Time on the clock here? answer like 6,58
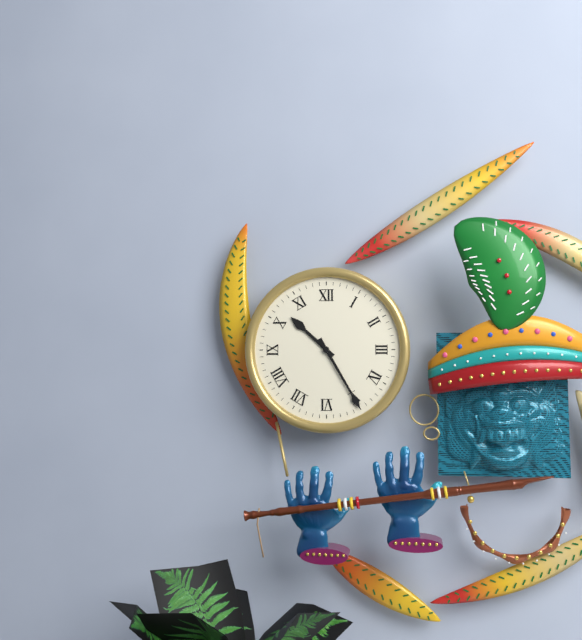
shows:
10,25
